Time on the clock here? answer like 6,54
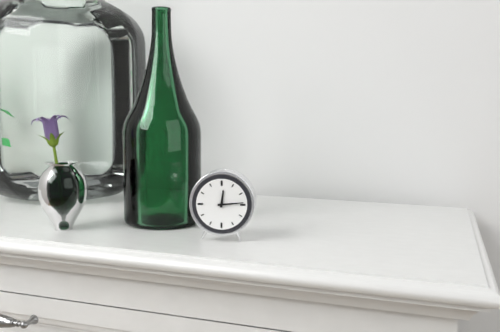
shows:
12,14
